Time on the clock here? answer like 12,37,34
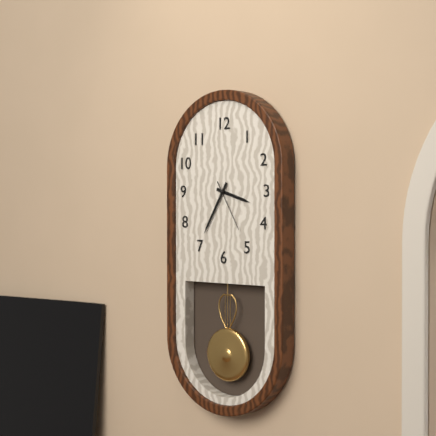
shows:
3,35,25
